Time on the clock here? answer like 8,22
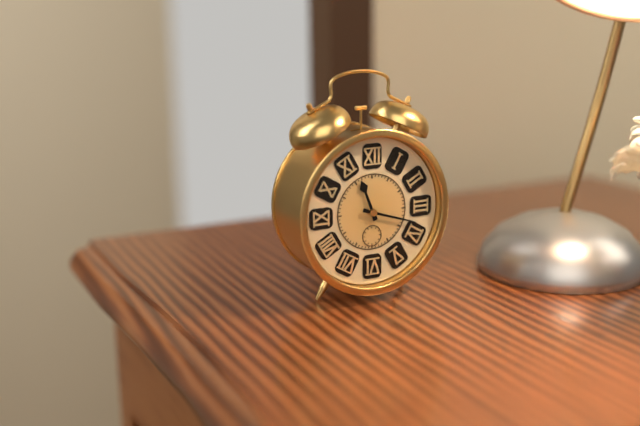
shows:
11,18
